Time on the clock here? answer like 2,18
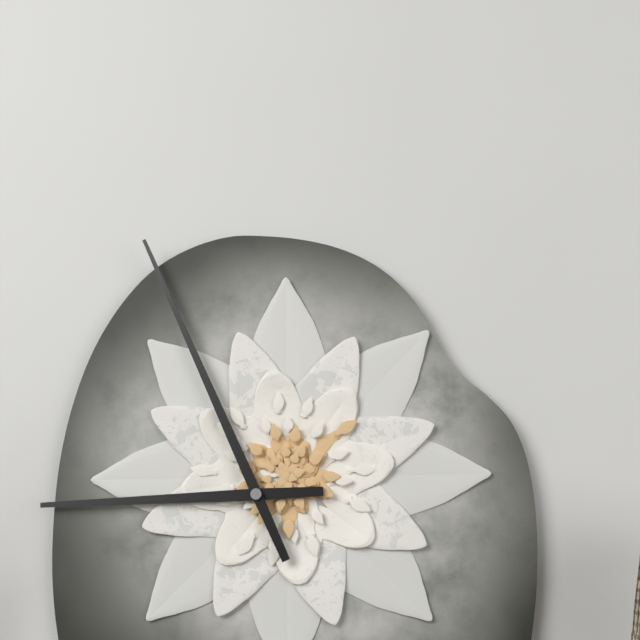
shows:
8,56
